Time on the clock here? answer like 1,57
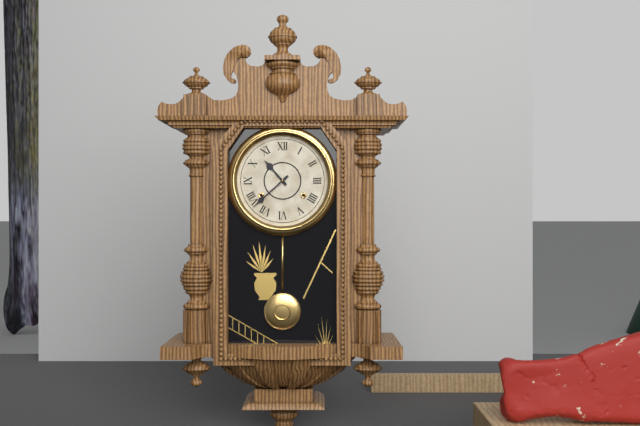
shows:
10,38
